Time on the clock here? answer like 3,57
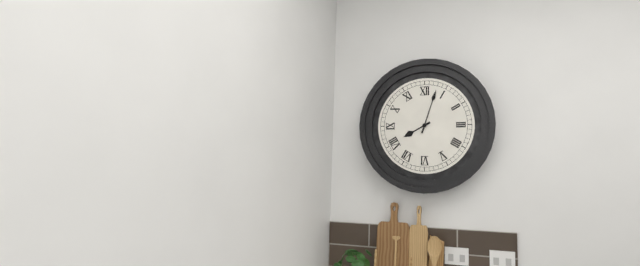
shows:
8,03
